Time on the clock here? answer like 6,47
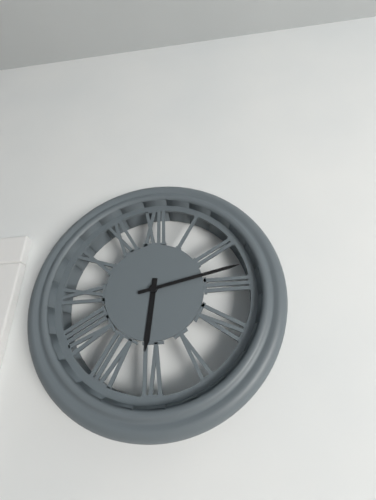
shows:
6,13
